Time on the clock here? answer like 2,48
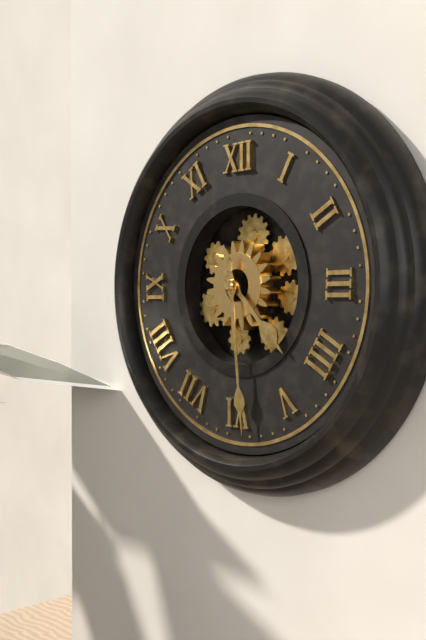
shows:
4,29
